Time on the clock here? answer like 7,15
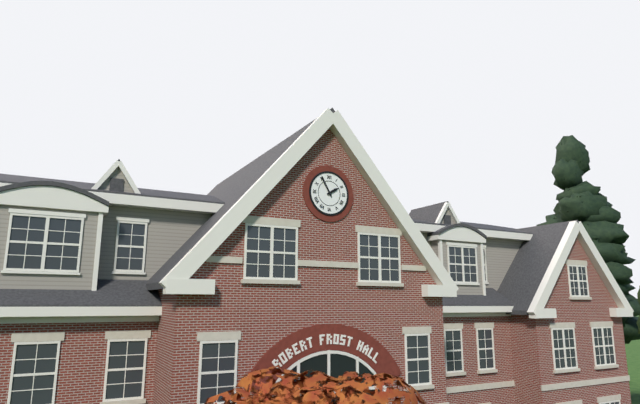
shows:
1,55
